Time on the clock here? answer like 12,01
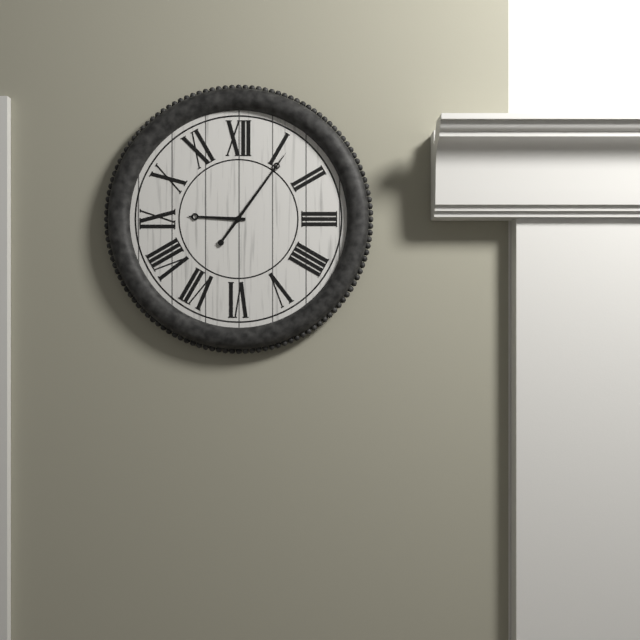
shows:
9,06
